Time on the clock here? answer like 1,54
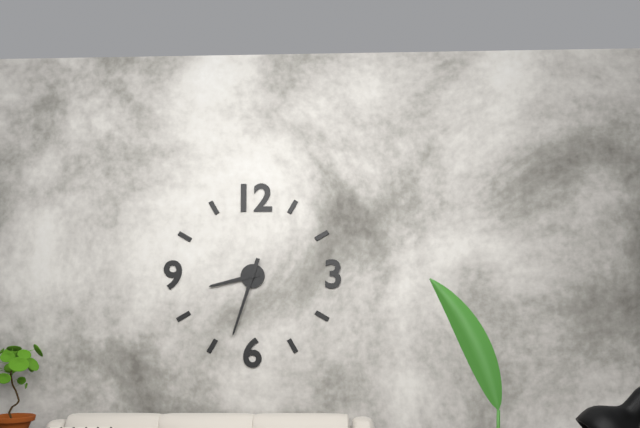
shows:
8,33
